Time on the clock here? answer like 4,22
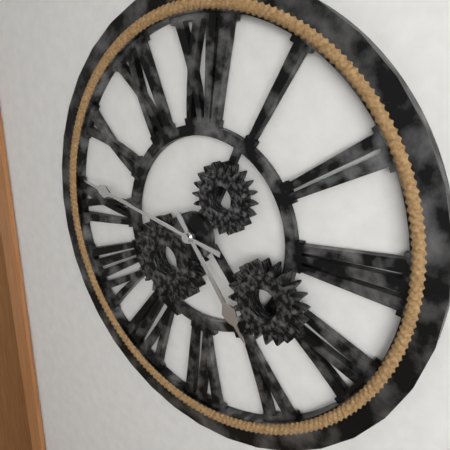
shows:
4,47
